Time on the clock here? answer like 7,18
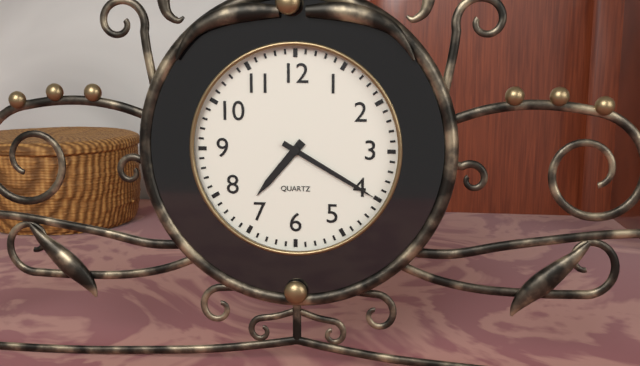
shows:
7,20
